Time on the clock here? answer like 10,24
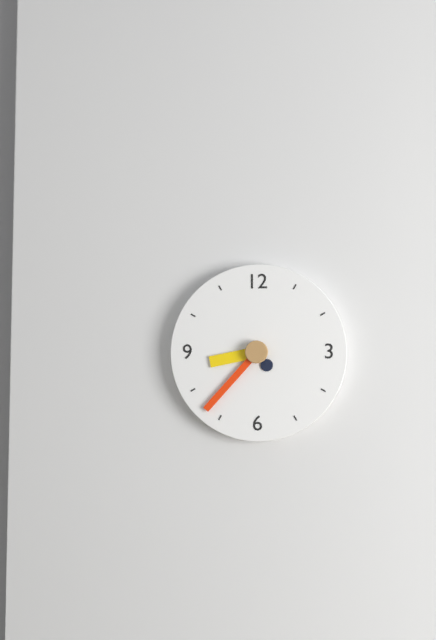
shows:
8,37
